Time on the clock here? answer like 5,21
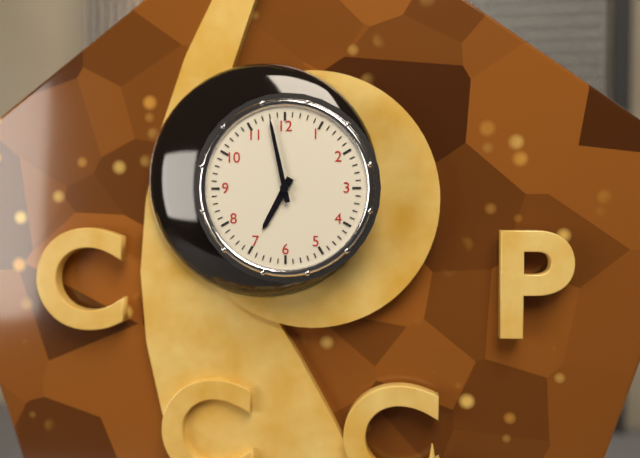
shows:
6,58
